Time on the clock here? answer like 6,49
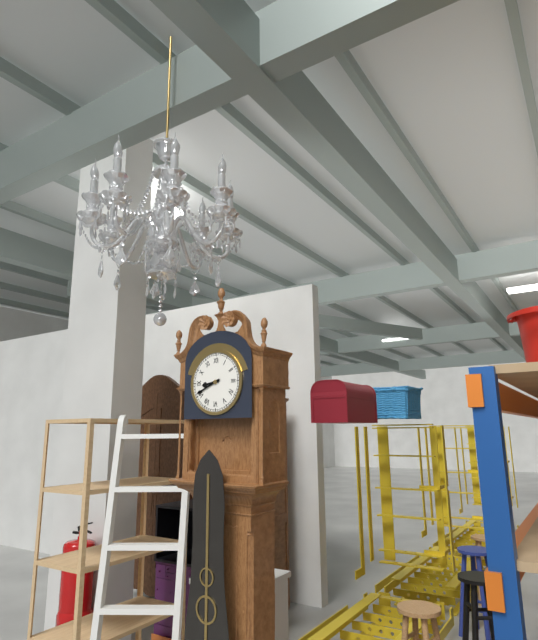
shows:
8,41
